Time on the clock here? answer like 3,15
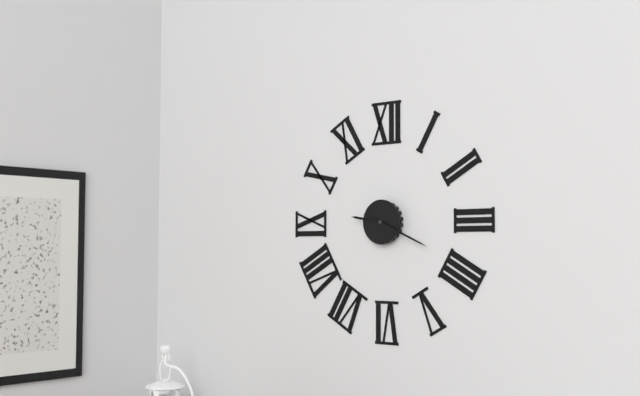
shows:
9,19
